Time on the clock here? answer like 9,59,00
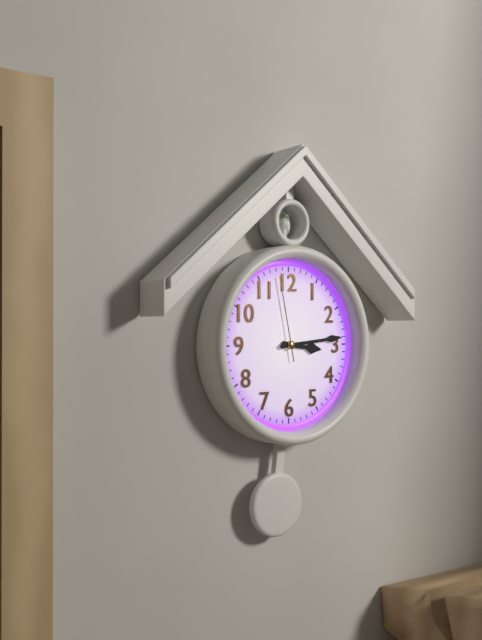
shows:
3,14,58
